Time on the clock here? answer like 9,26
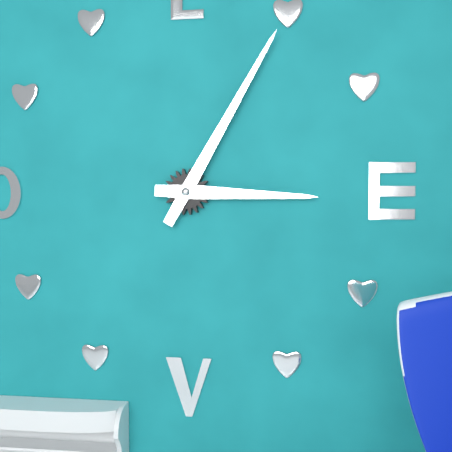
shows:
3,05
